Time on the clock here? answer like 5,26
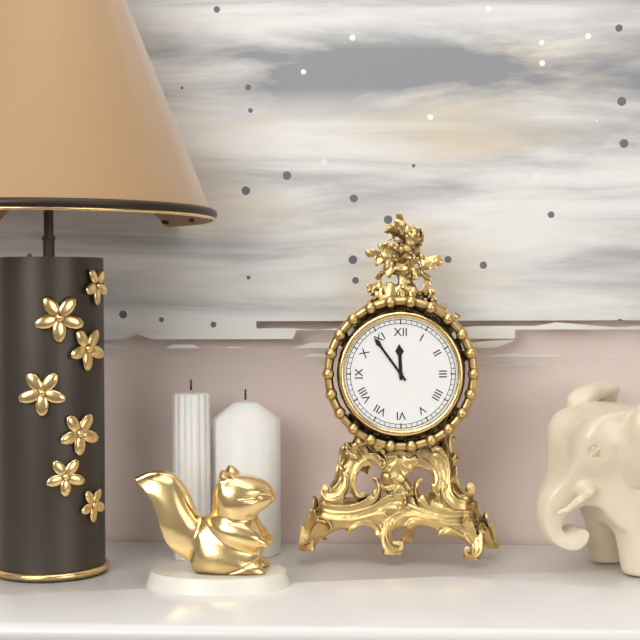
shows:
11,54
